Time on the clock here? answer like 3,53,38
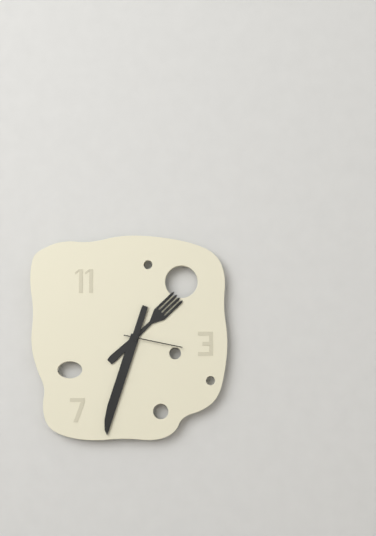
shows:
1,33,17
